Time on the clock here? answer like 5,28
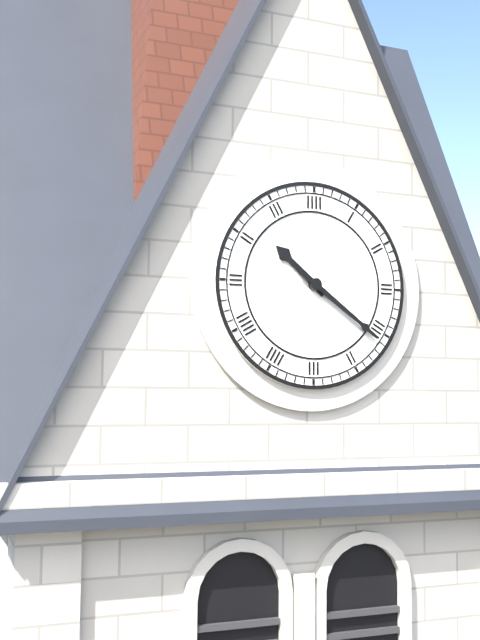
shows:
10,21
